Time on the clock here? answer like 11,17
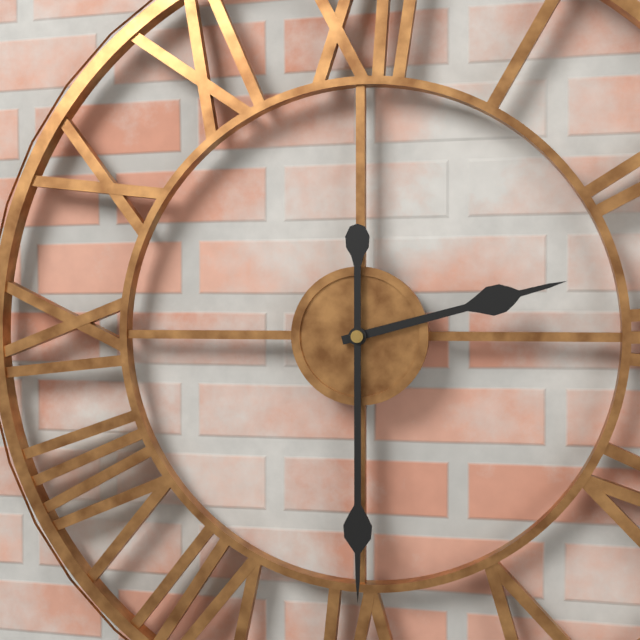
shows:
2,30
